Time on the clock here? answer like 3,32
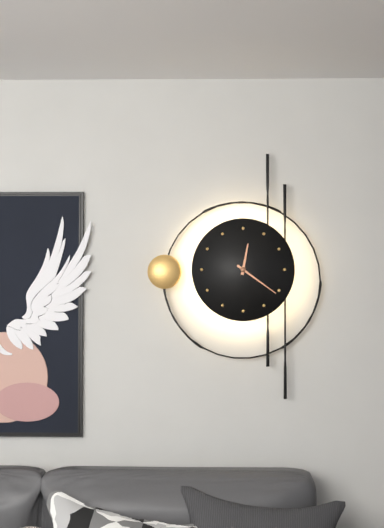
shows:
12,21
